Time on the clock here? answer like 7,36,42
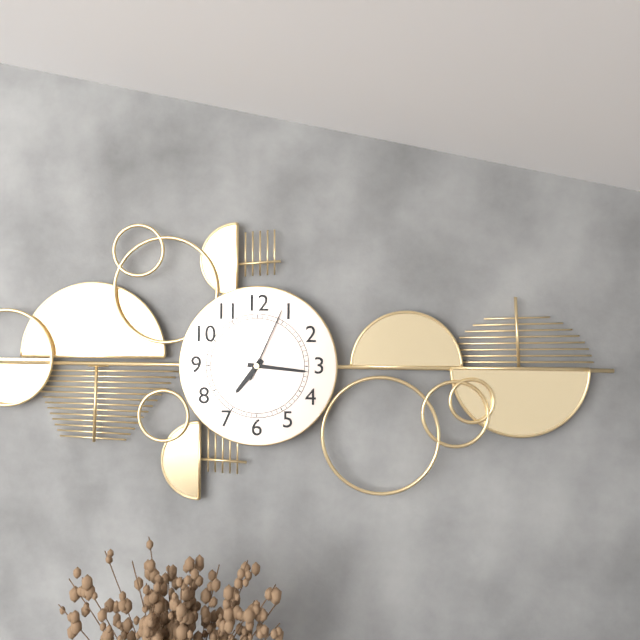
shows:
7,16,04
